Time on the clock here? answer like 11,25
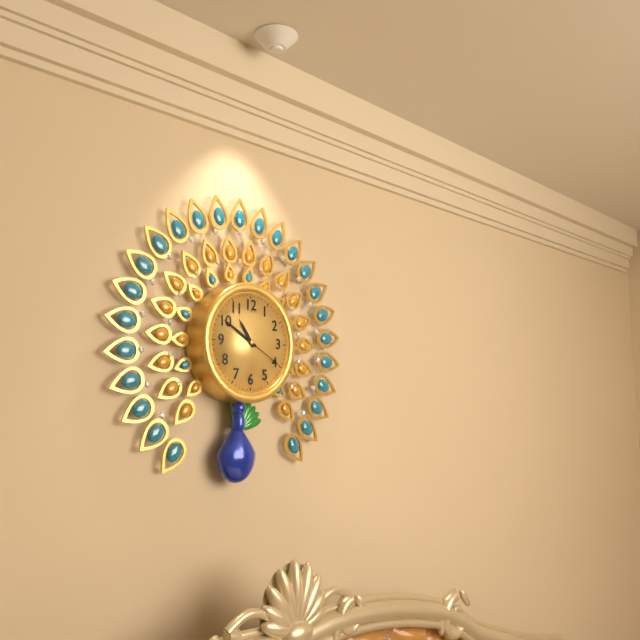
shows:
10,50
